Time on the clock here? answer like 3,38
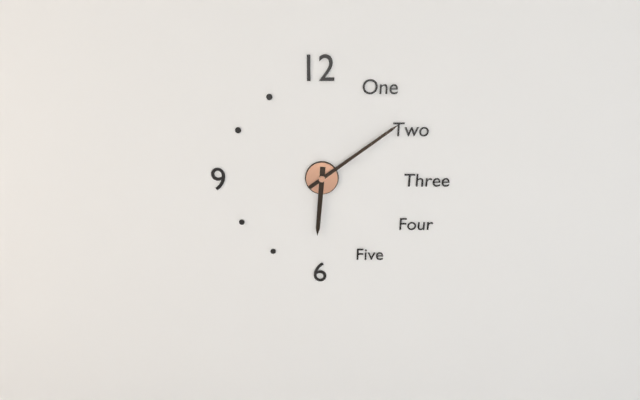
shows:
6,09
